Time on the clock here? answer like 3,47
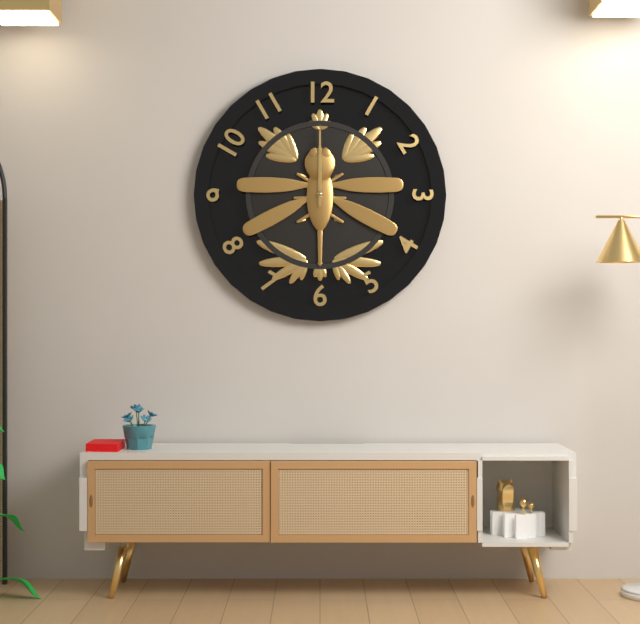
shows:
12,00
